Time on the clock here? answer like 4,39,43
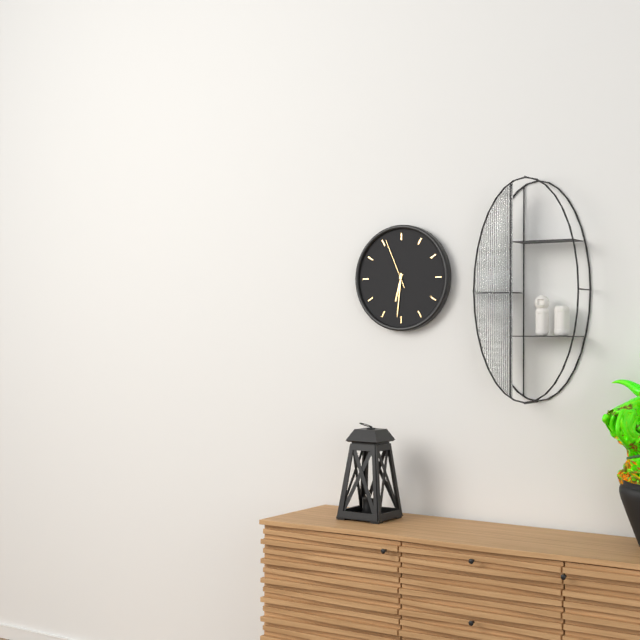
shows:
6,31,56
